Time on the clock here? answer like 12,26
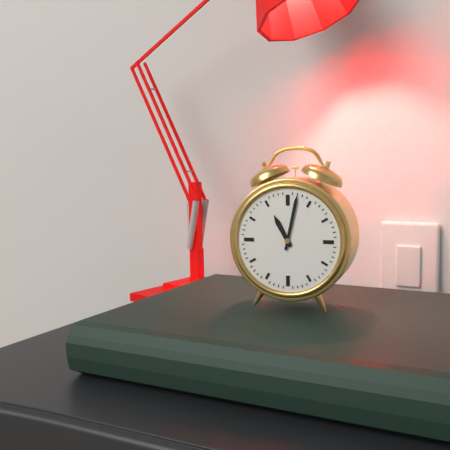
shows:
11,02
